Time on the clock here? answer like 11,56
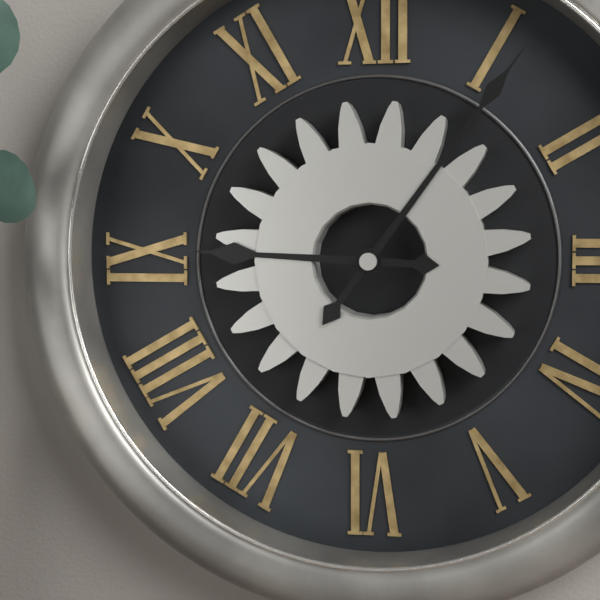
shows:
9,06
